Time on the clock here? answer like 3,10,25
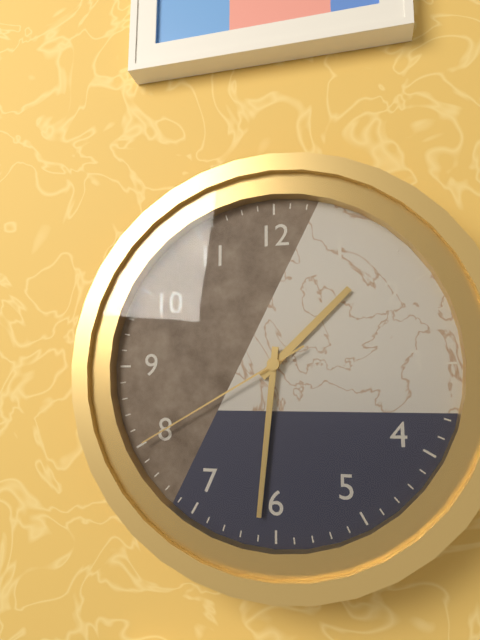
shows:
1,31,40
